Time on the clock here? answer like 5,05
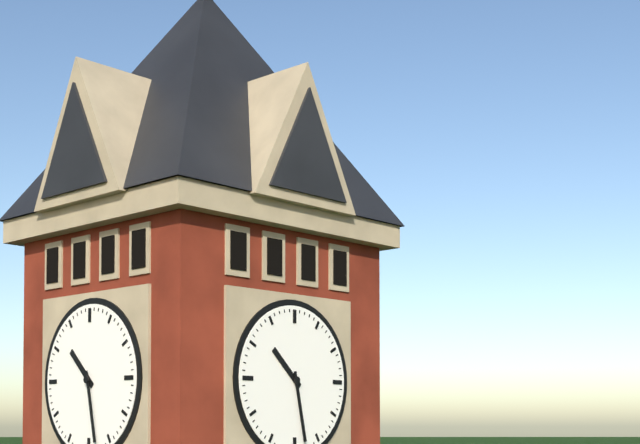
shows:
10,28
